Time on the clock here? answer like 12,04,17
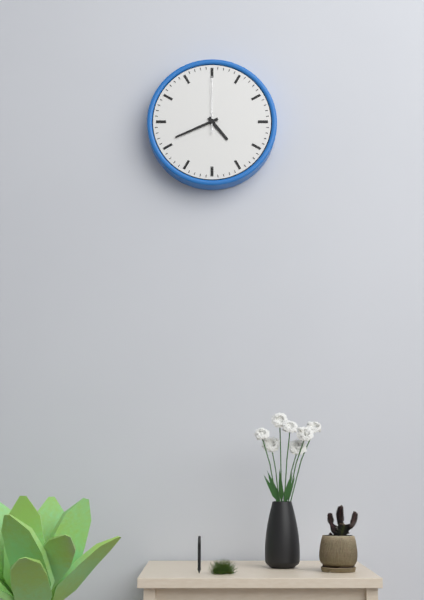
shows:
4,41,00
